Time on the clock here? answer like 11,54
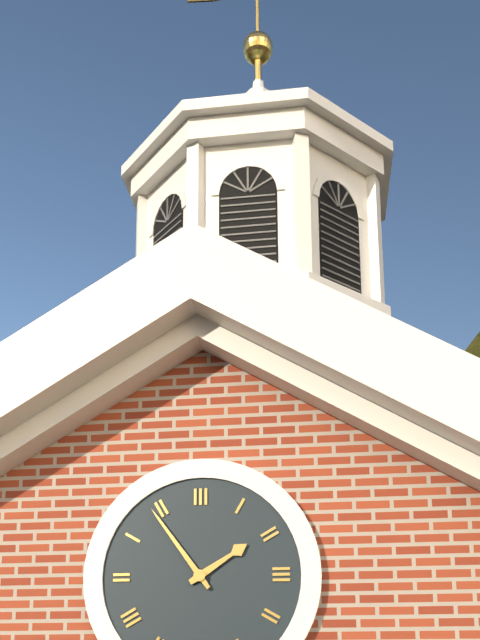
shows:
1,54
